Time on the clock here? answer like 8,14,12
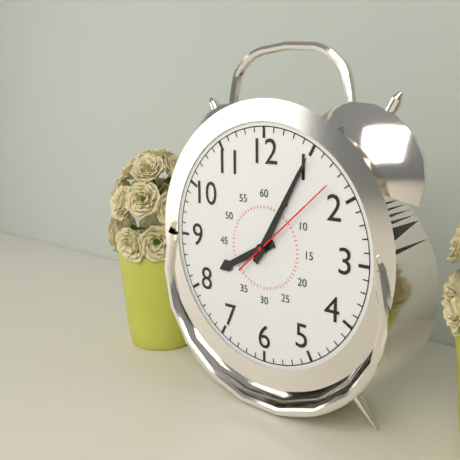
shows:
8,05,08
